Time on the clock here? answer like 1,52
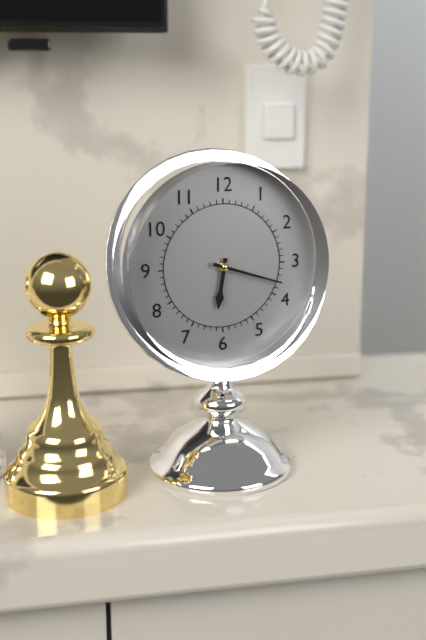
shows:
6,18
